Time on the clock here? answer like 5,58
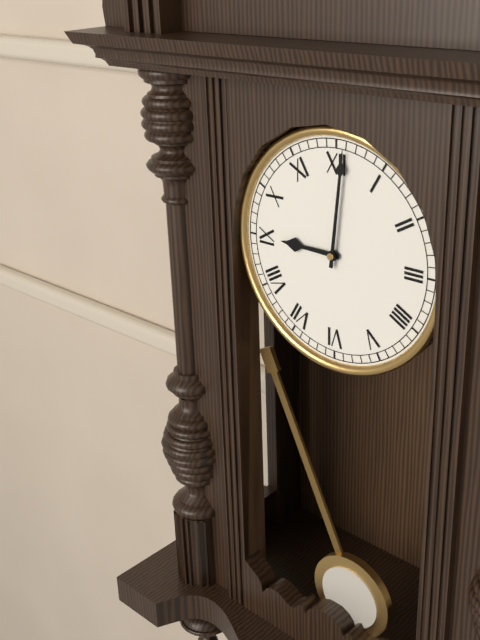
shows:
9,01
